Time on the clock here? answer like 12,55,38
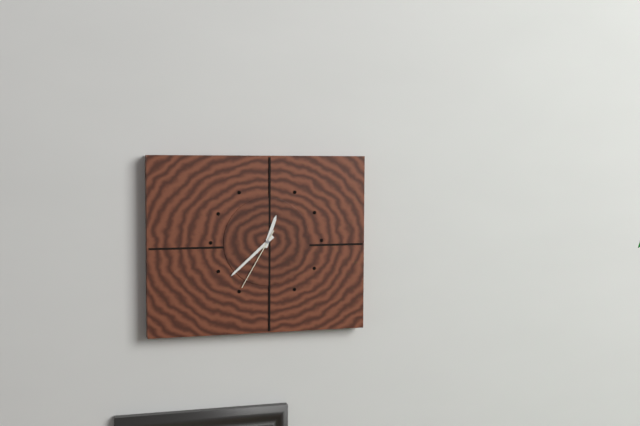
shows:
12,38,35
